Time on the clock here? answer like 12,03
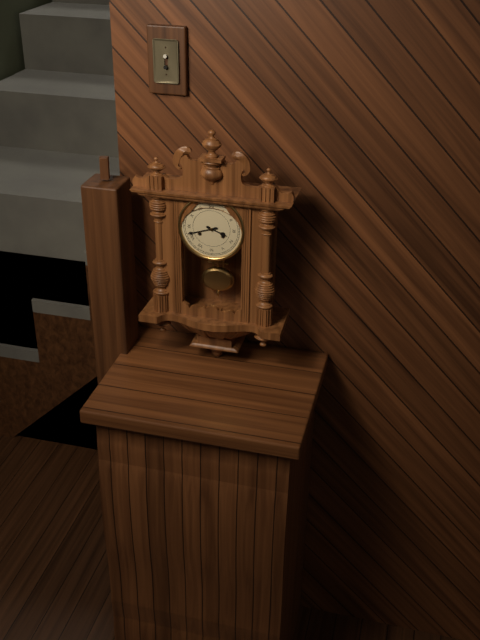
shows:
3,42
